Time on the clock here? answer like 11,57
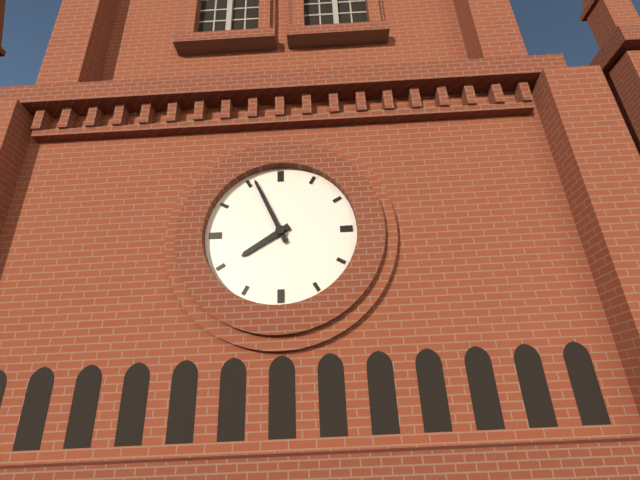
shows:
7,56
